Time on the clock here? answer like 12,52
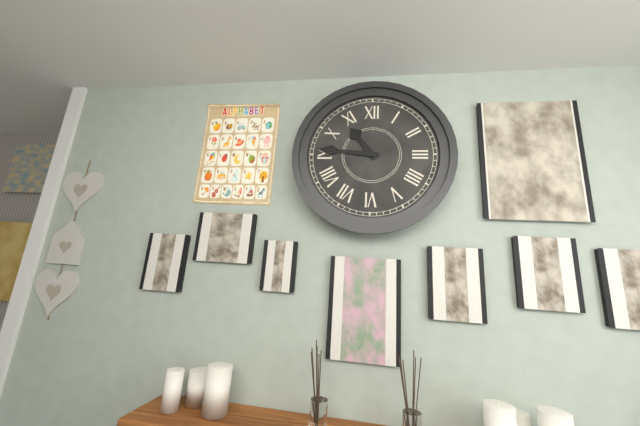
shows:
10,46
